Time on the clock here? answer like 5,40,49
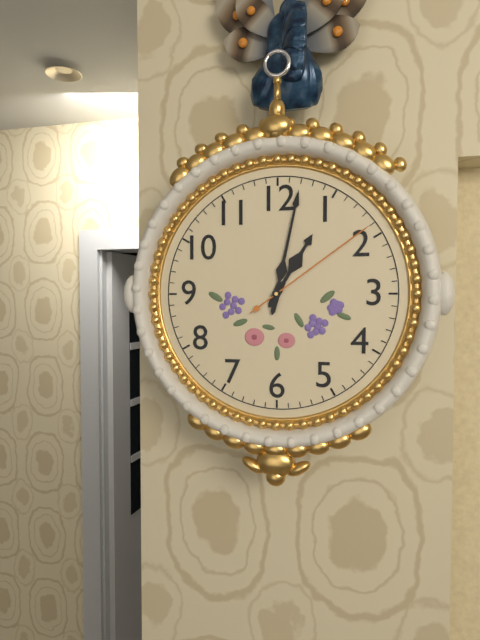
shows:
1,02,09
